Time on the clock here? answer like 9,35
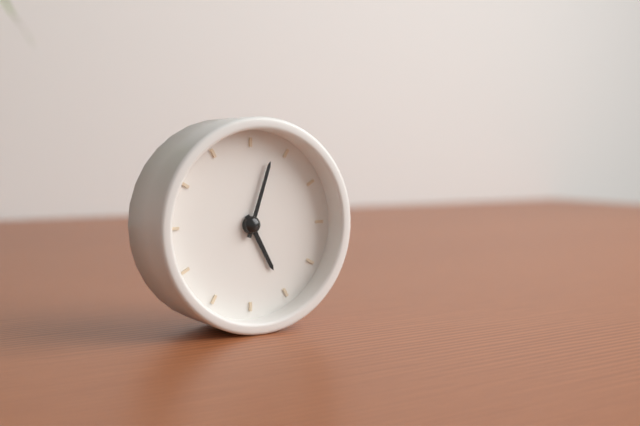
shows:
5,03
